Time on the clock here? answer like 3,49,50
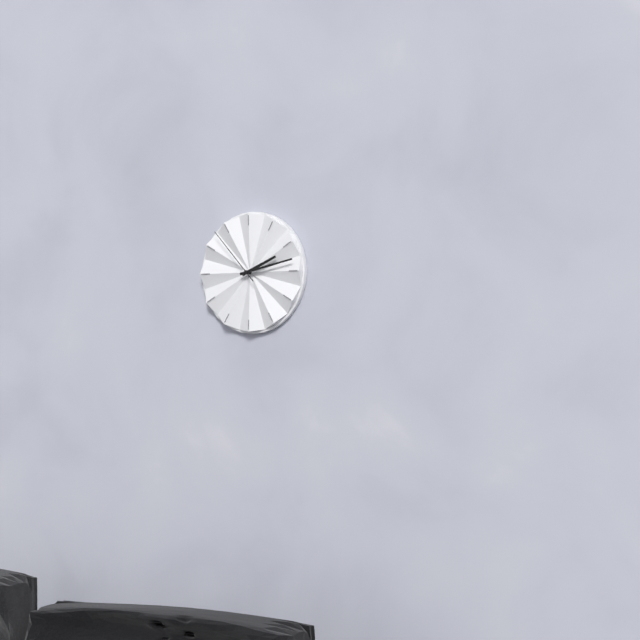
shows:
2,13,53
